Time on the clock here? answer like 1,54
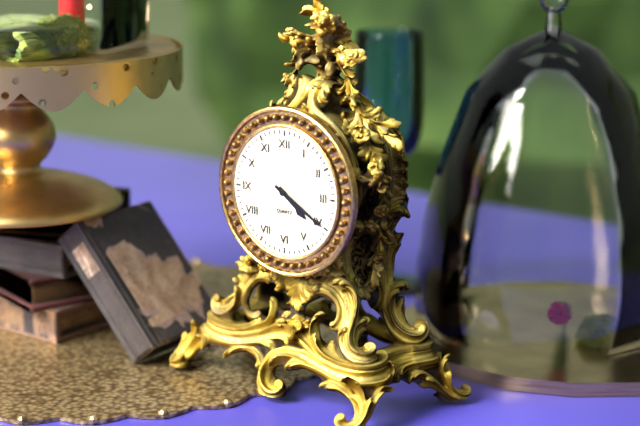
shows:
4,20
